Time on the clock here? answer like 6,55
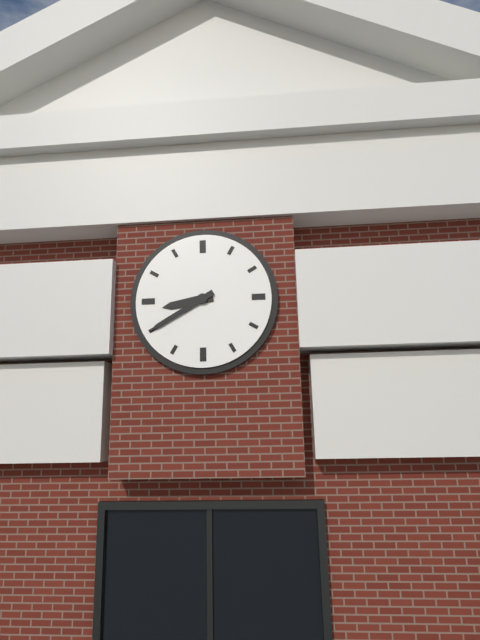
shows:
8,40
